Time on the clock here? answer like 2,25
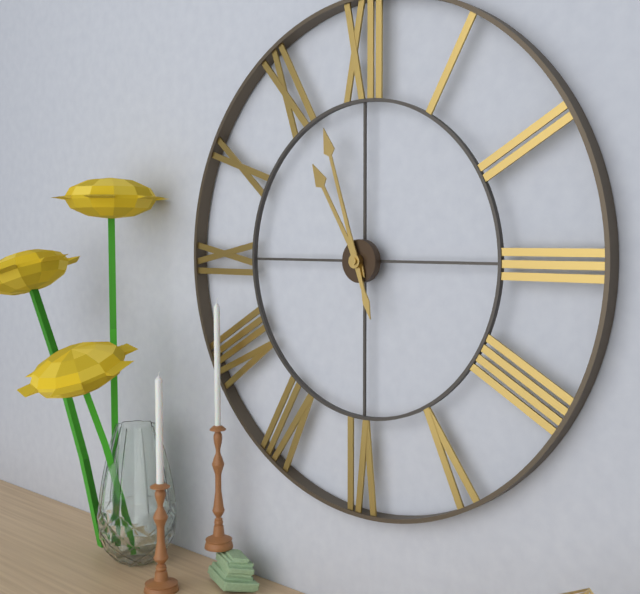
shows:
10,57
